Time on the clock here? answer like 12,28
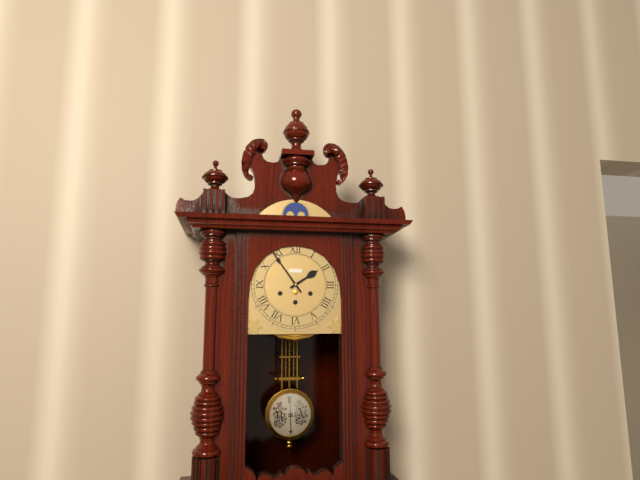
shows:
1,54
